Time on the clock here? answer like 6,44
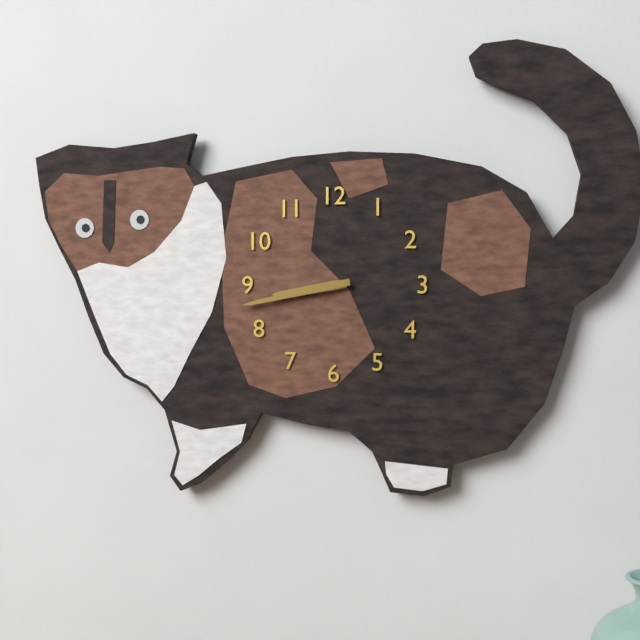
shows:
8,43
